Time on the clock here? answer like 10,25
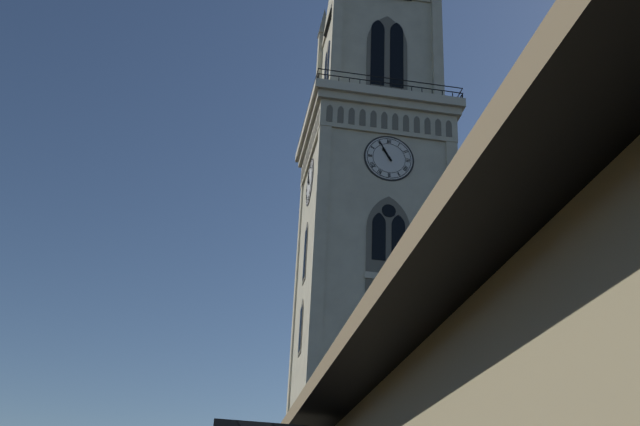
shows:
10,55
